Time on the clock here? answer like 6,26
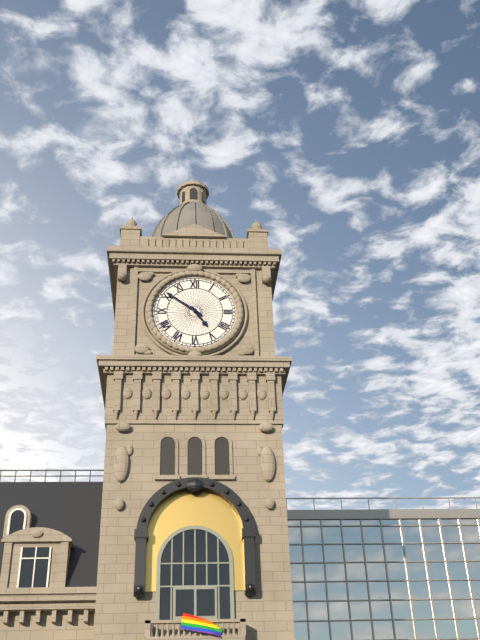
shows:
4,51
